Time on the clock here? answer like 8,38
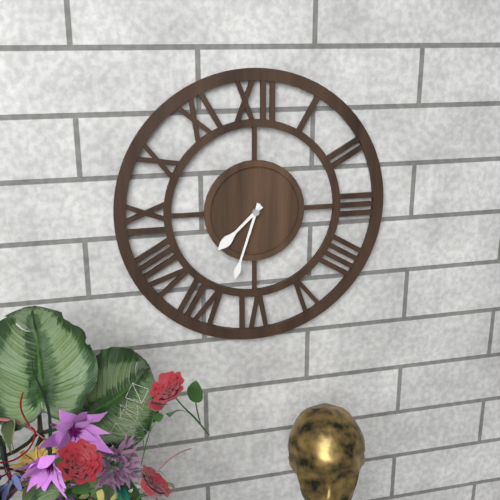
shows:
7,33
